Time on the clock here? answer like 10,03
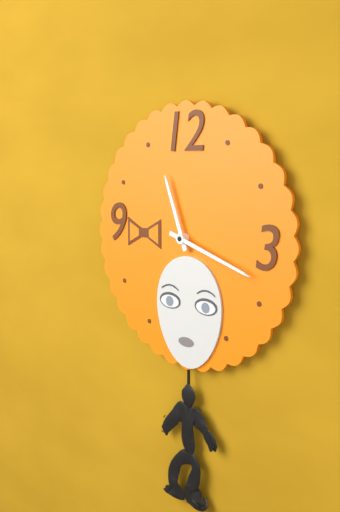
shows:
11,18
